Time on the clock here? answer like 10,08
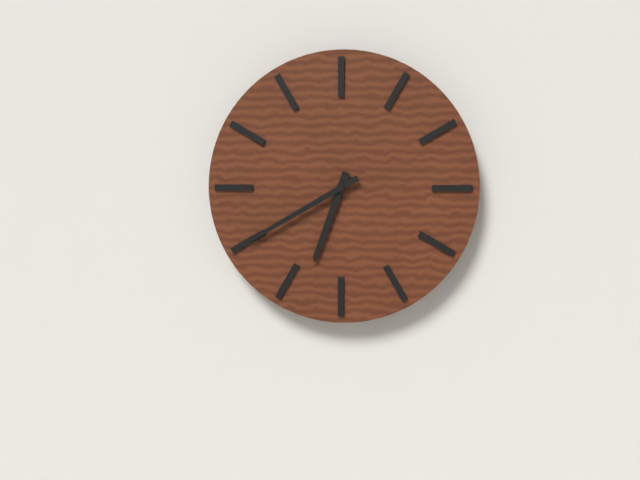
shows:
6,40
